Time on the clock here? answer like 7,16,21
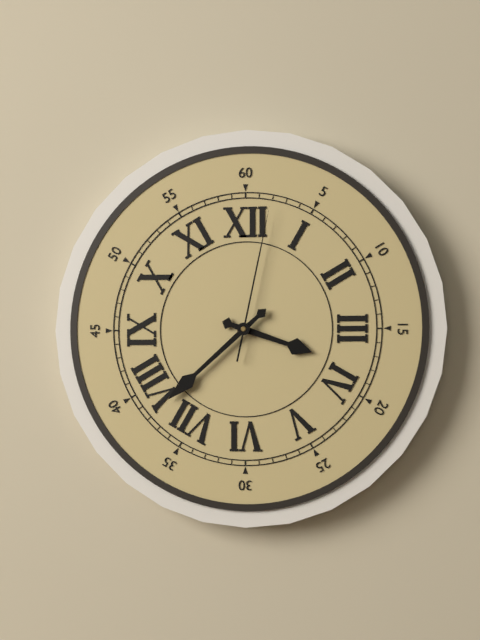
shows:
3,38,02
